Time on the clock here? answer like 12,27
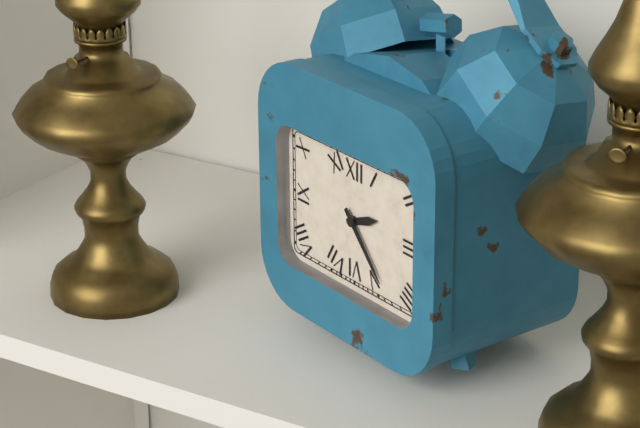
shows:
2,23
